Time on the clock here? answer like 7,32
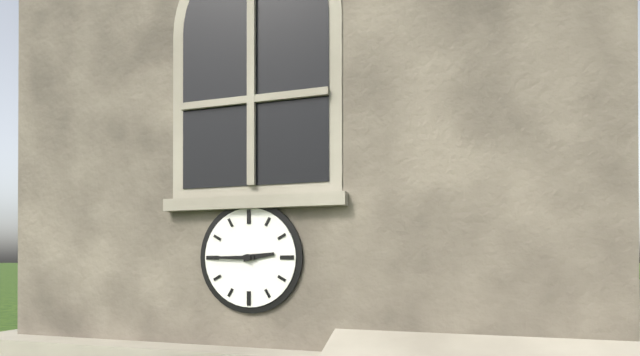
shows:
2,45
